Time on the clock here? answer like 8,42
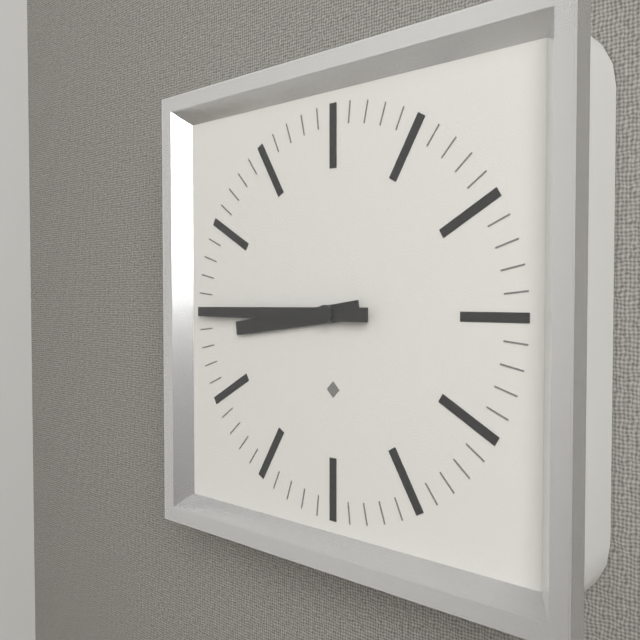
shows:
8,45
